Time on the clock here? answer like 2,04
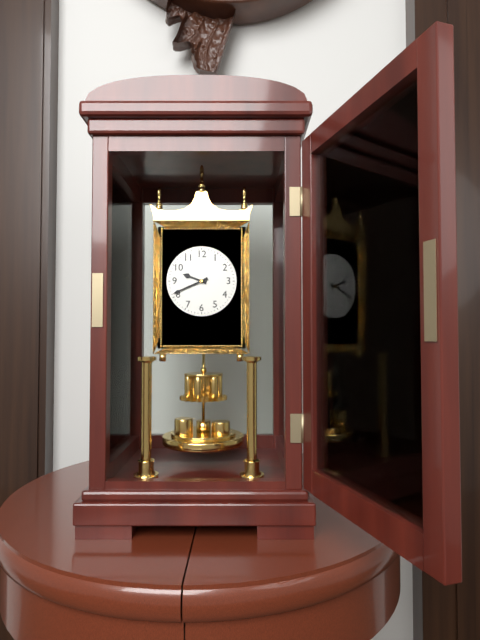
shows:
9,41
